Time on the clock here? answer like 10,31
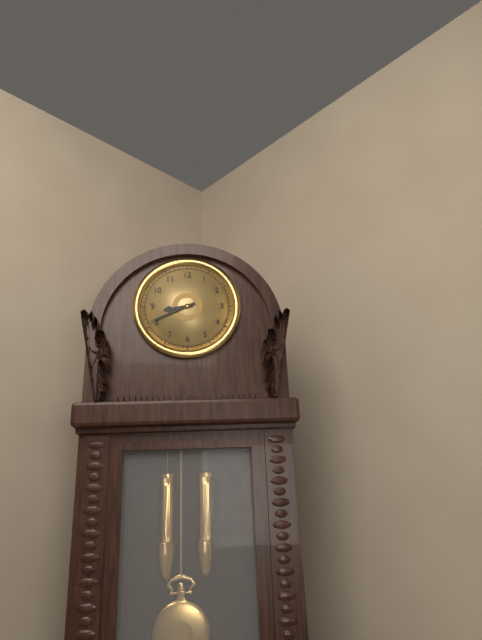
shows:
8,41
